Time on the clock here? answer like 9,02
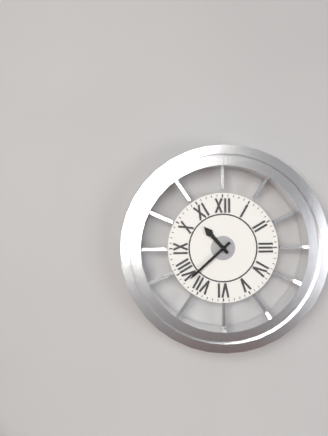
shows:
10,38
